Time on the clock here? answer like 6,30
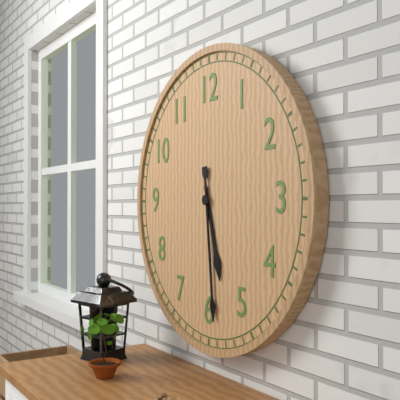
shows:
5,29
